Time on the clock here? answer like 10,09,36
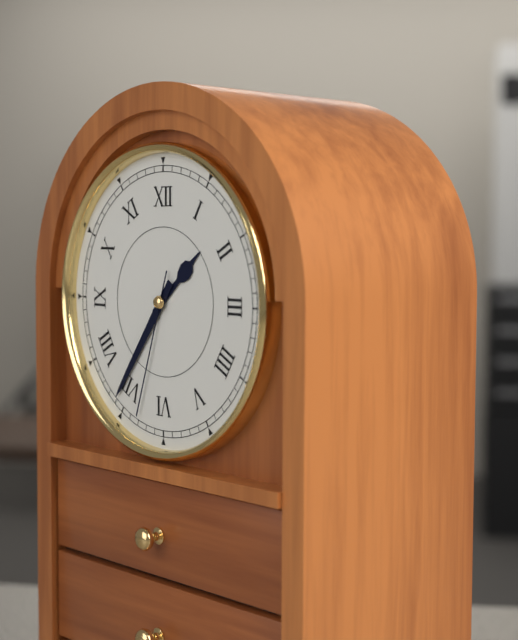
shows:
1,36,33
